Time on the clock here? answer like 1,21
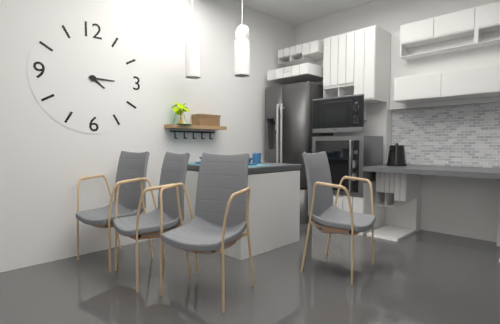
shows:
4,15
